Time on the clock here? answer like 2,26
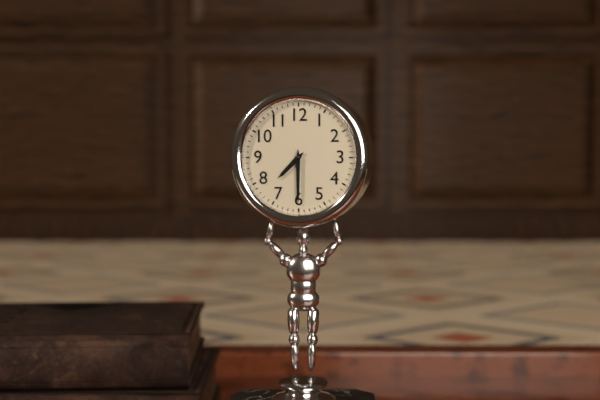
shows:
7,30
